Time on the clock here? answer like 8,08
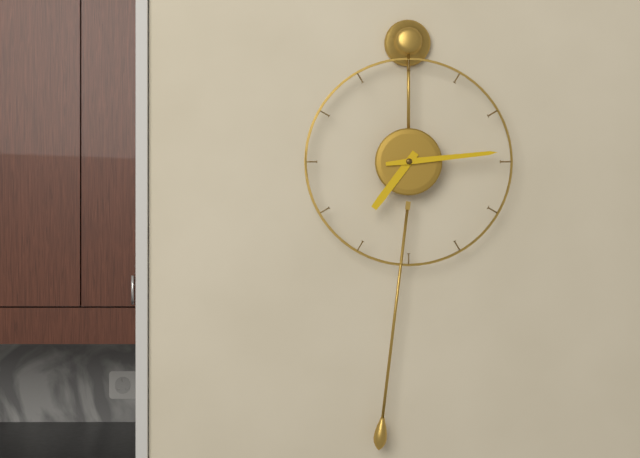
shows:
7,14
